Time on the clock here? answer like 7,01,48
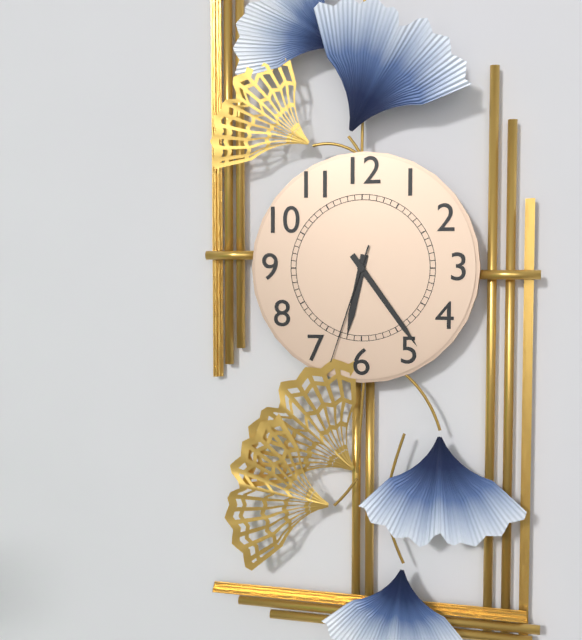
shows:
6,24,33
